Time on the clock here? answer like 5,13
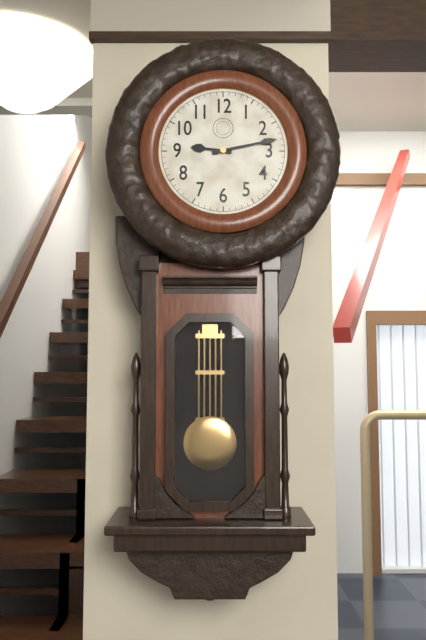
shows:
9,13
